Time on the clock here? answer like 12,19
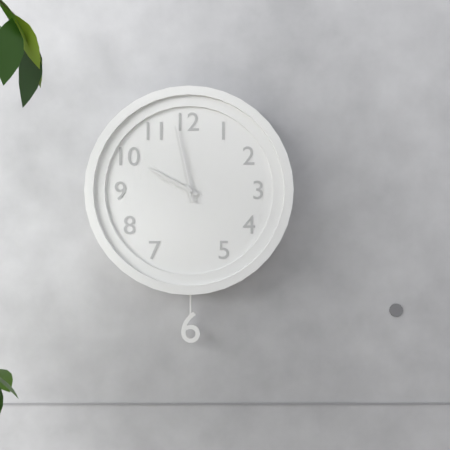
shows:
9,58
